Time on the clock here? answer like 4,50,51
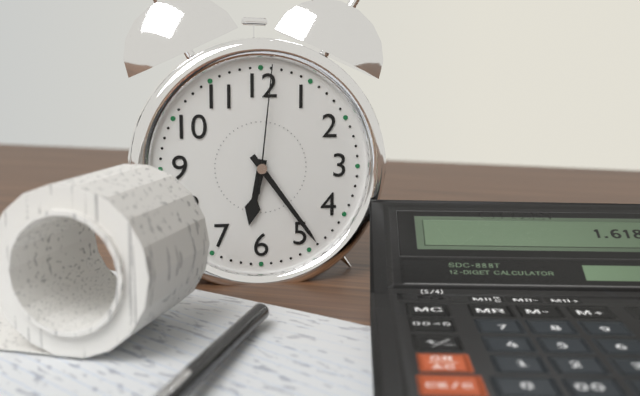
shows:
6,24,01
